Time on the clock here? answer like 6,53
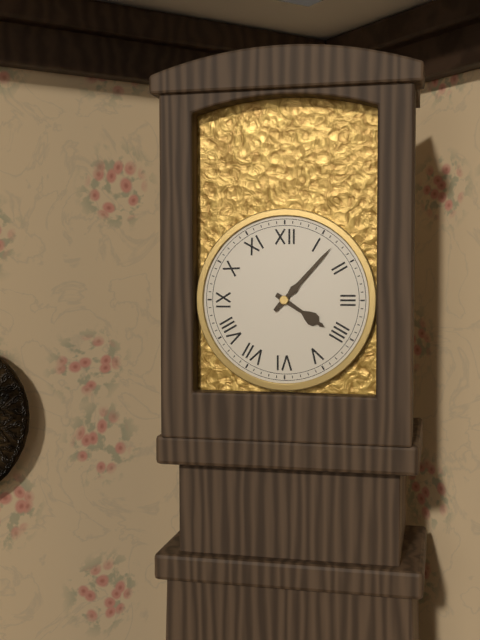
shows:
4,07
